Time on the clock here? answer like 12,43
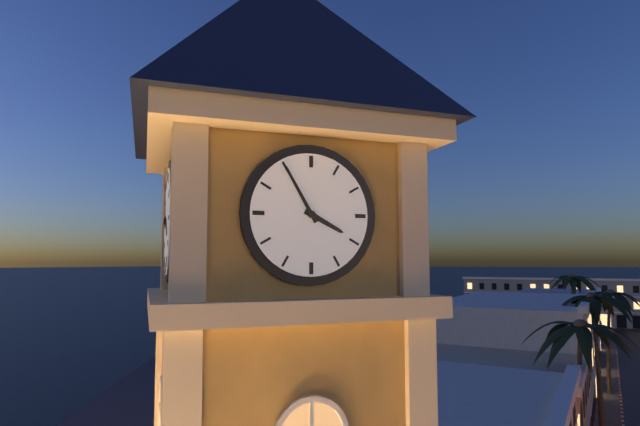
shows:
3,55
